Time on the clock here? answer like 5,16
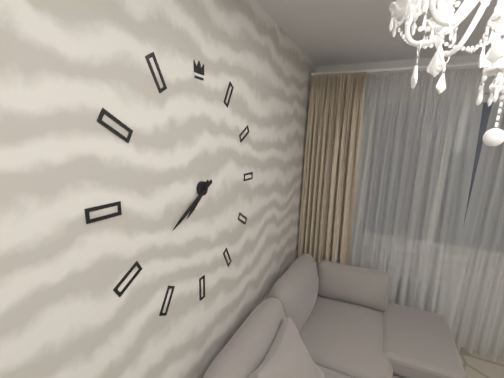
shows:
7,40
